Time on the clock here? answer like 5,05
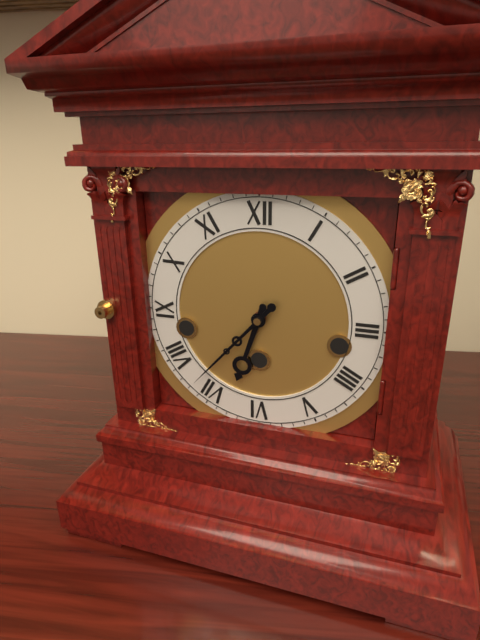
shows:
6,37
